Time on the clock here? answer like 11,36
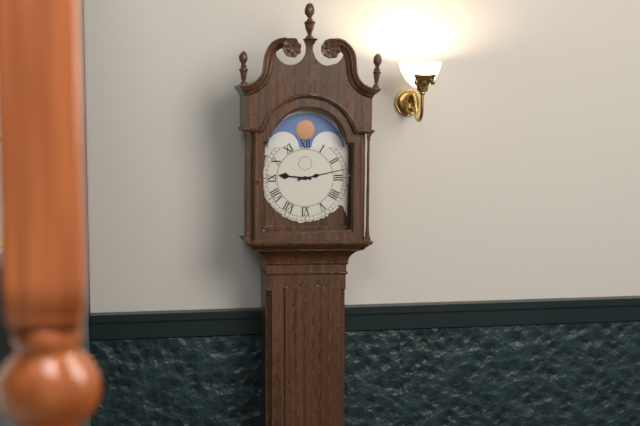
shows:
9,13
